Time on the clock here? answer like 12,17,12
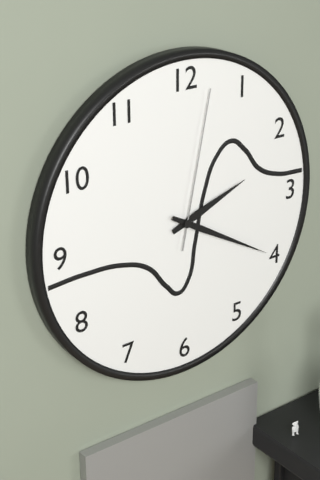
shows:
2,20,02
